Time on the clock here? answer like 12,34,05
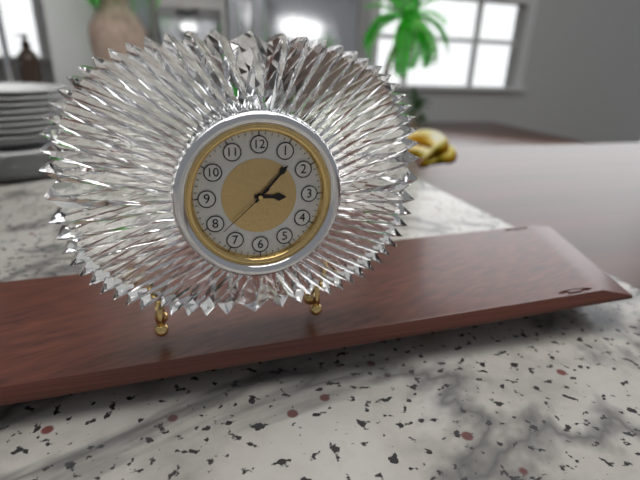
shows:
3,07,38
